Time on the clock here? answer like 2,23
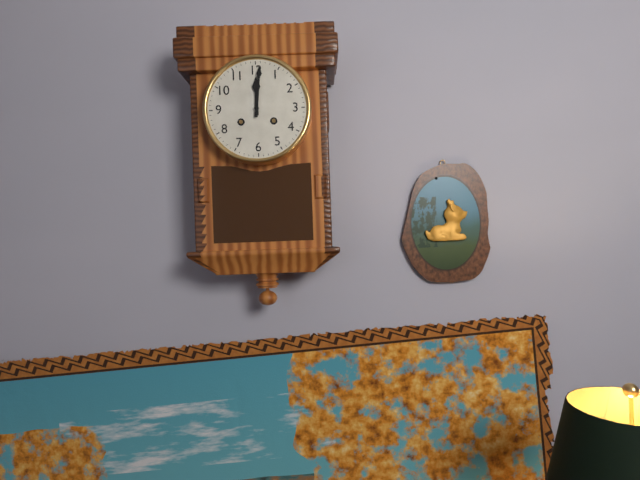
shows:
12,01
